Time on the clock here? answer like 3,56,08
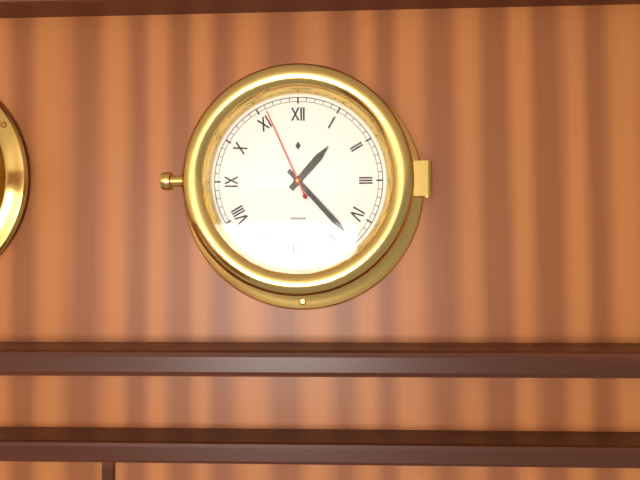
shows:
1,23,56
